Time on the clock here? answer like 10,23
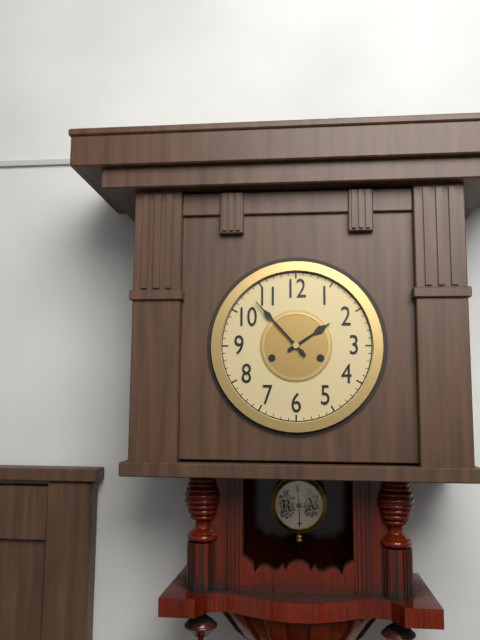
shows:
1,53
